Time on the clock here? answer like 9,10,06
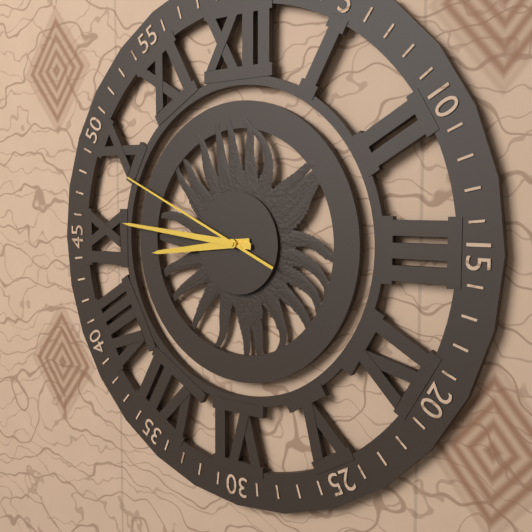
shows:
8,46,49
